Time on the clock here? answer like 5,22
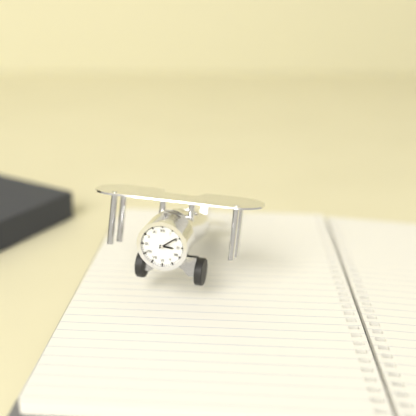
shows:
3,09
